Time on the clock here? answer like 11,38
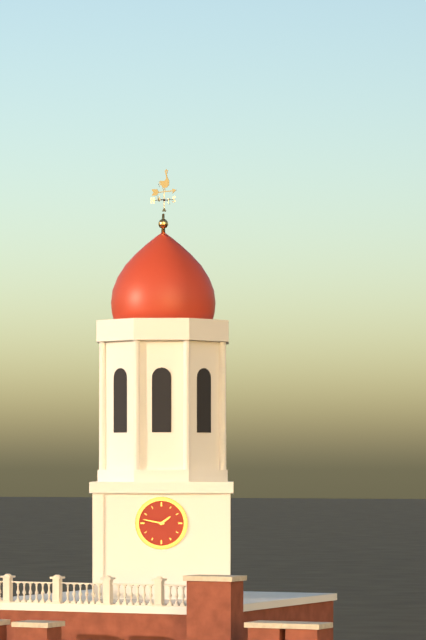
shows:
1,47
